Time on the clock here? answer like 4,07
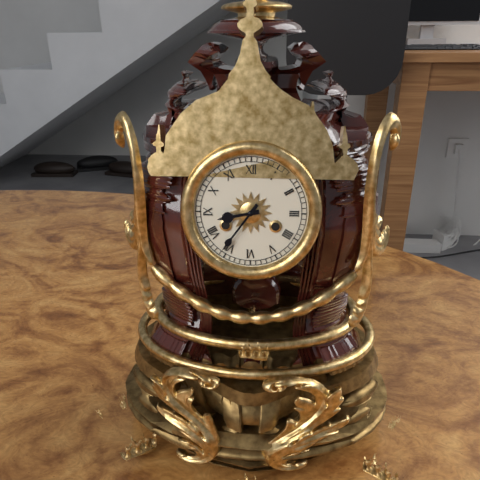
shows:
8,36
